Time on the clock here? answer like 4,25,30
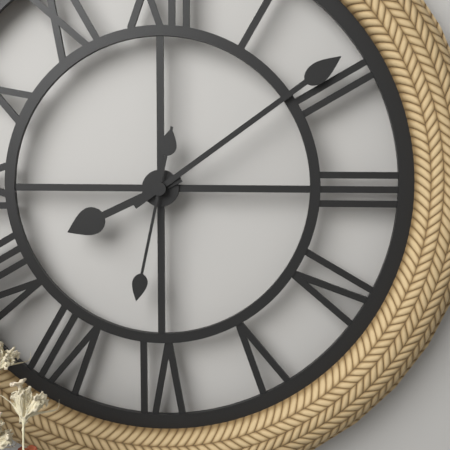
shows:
8,09,32
